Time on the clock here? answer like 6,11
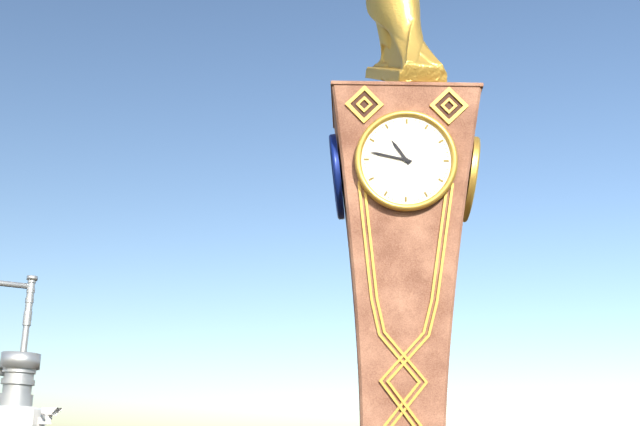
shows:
10,47
